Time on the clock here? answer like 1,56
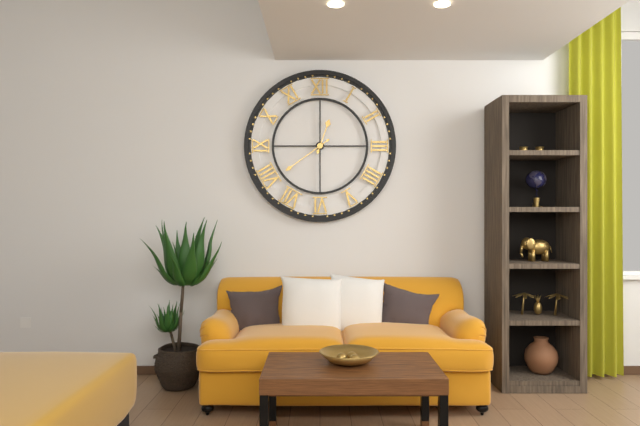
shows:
12,39
